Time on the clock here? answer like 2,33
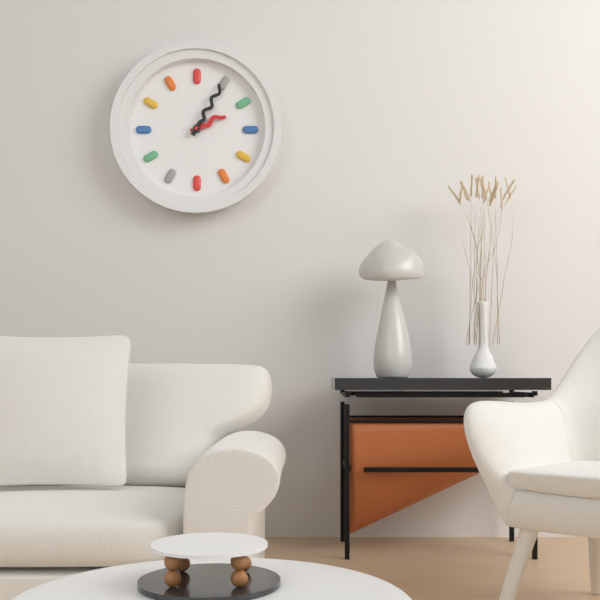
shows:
2,05
